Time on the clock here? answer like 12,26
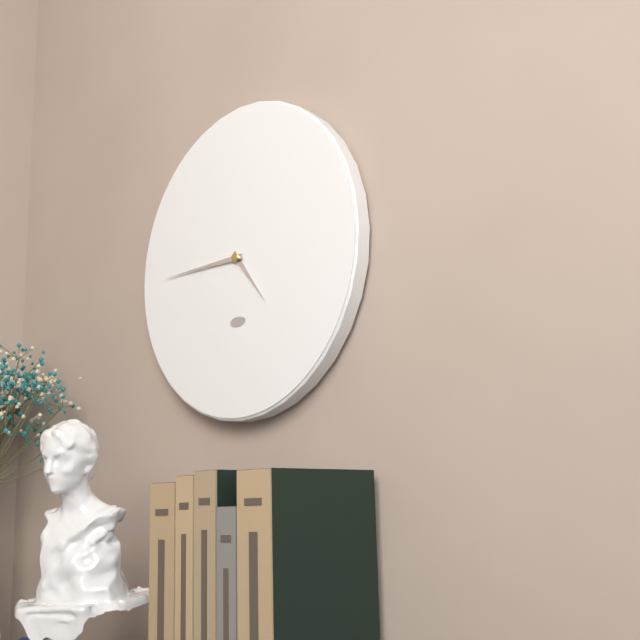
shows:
4,45
